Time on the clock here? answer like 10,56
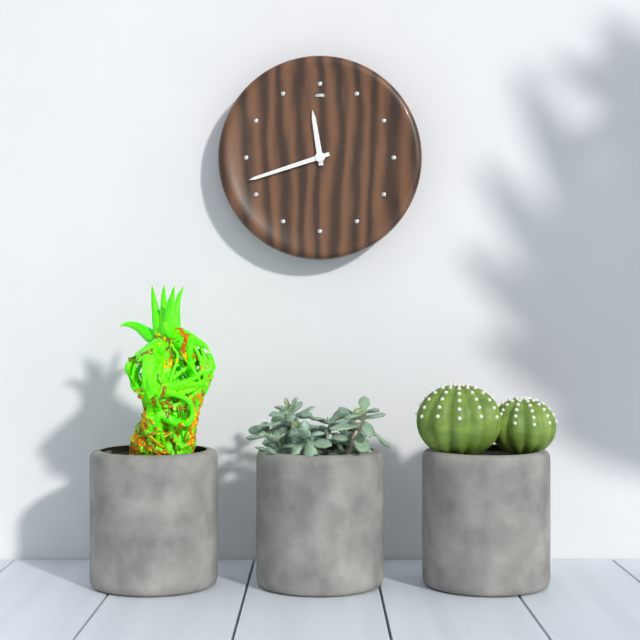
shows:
11,42
